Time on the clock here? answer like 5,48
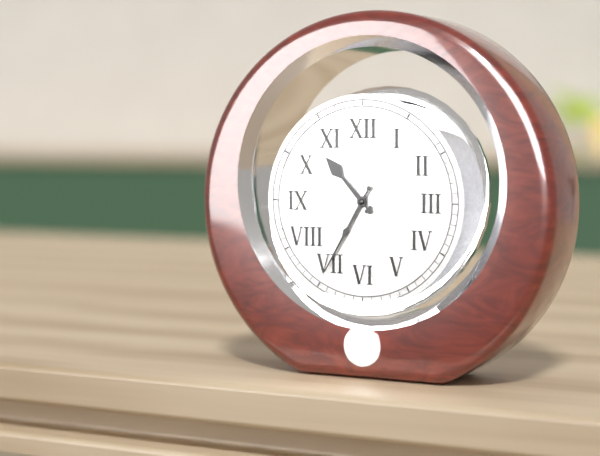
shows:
10,35
